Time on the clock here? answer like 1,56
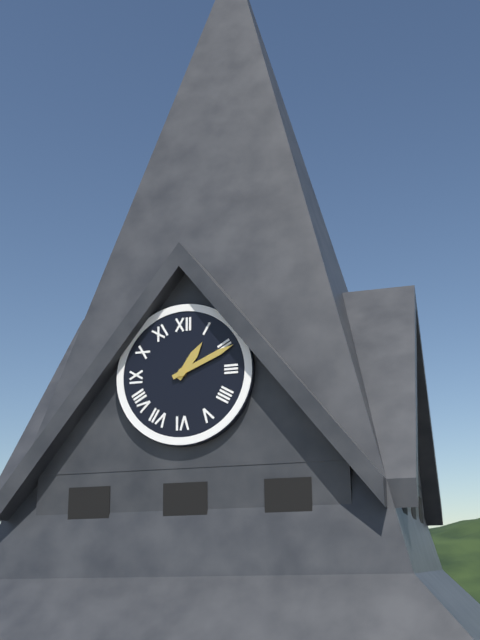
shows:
1,11
